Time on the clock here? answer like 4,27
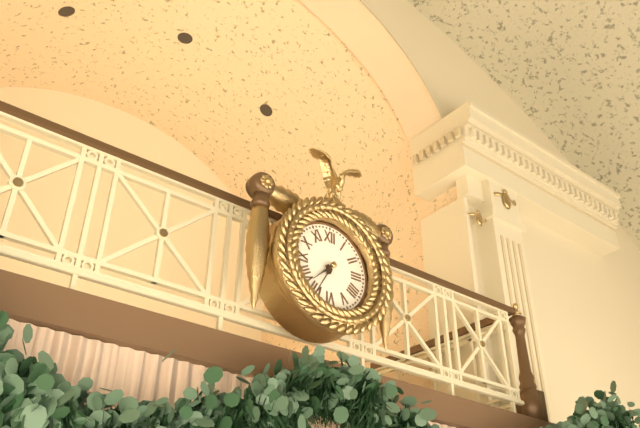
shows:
7,35
